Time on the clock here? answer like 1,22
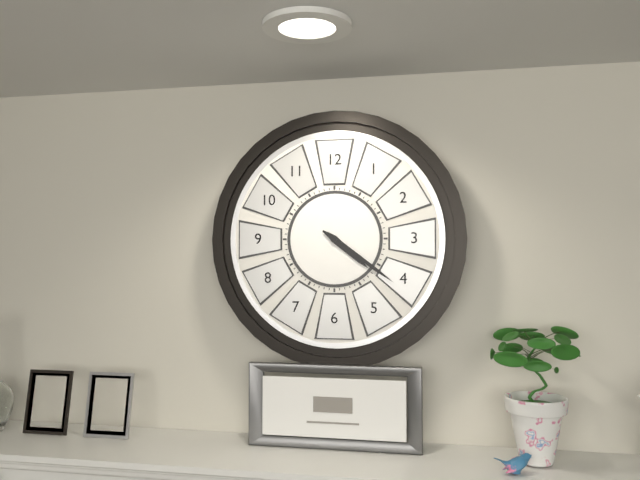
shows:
4,21
